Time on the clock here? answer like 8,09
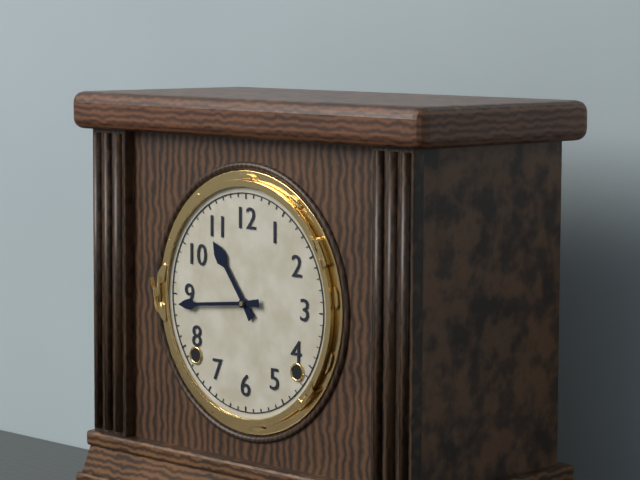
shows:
10,44
